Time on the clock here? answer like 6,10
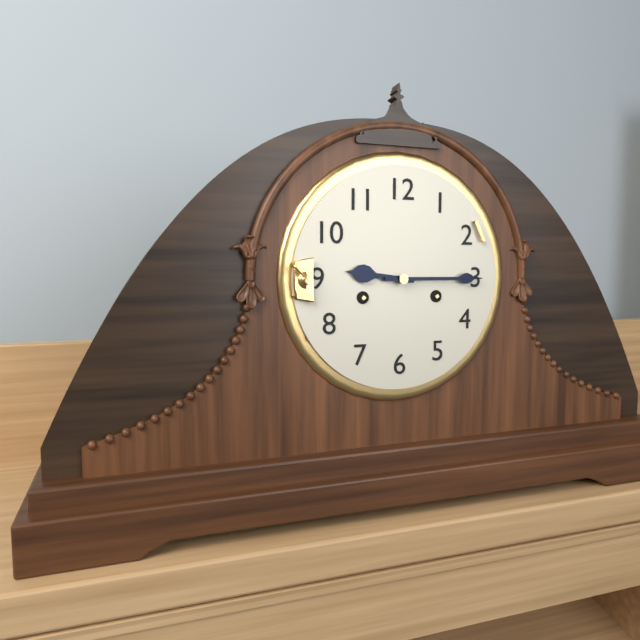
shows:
9,15
